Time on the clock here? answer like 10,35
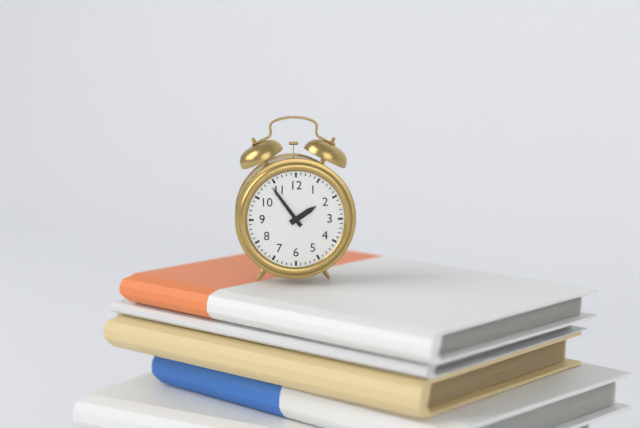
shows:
1,54
